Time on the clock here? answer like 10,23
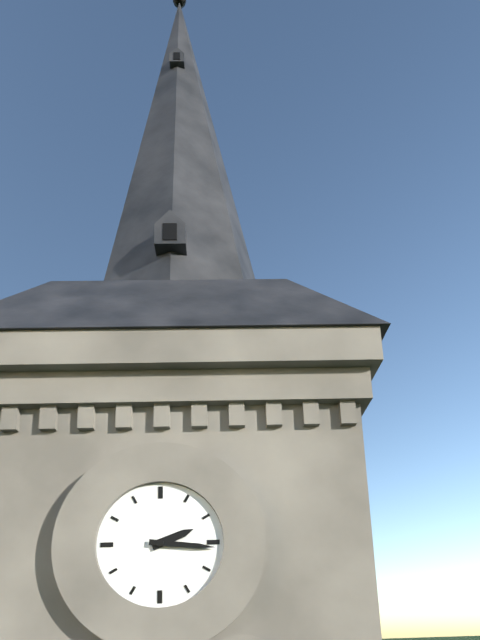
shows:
2,16
